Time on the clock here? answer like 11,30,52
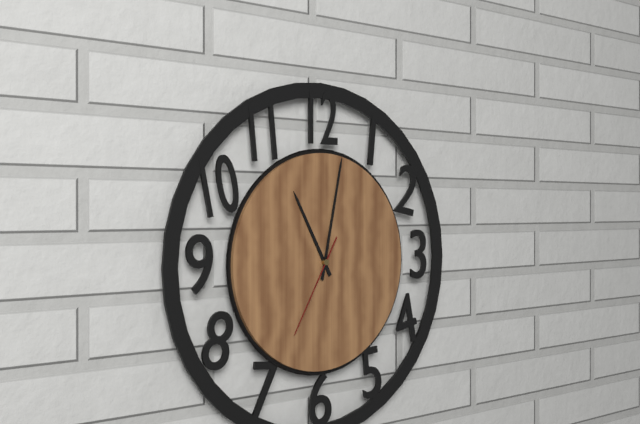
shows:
11,02,35
